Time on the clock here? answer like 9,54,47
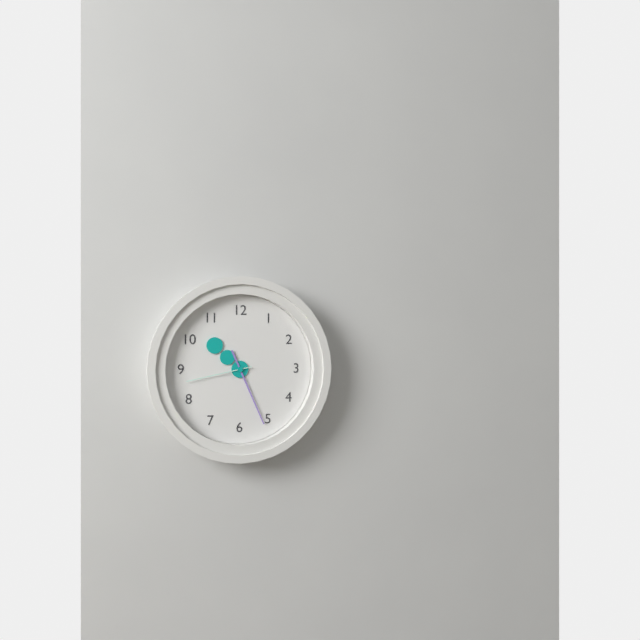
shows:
10,26,43
